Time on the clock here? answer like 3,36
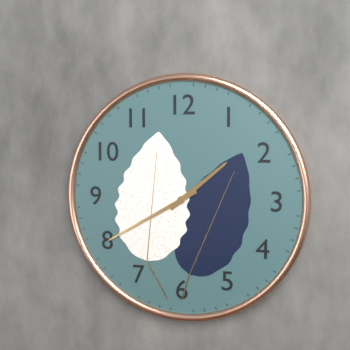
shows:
1,40
